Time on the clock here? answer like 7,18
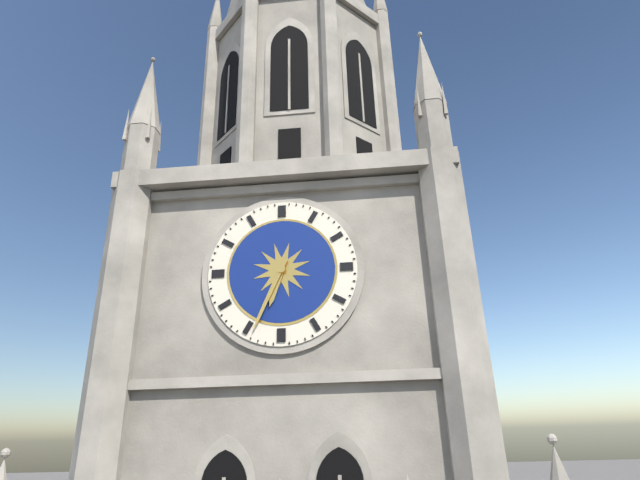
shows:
6,34
